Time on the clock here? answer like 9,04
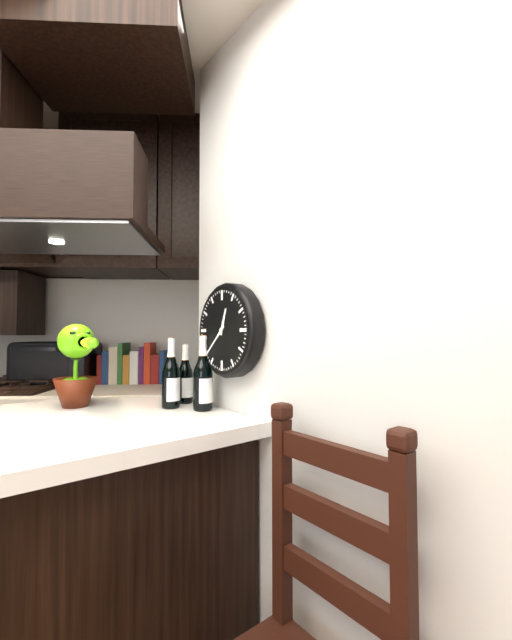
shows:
12,38
